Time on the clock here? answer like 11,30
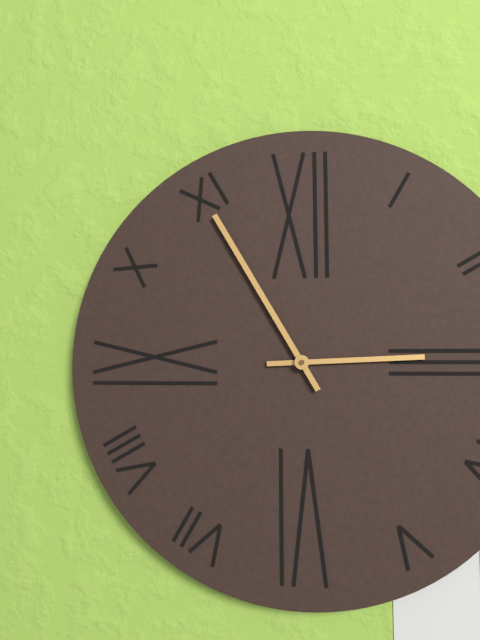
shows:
2,55
